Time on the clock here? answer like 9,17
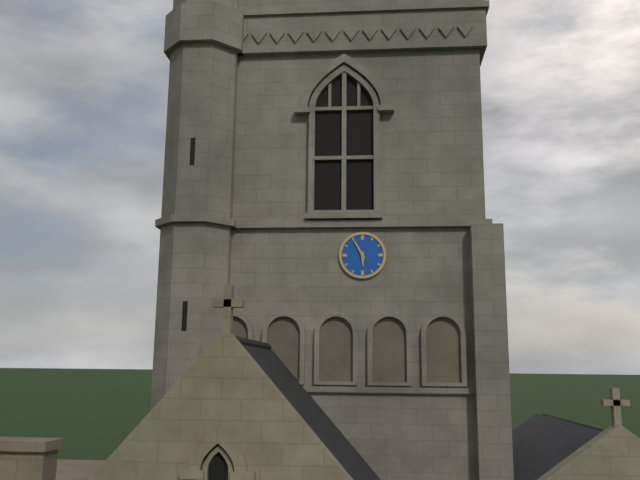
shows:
5,55
